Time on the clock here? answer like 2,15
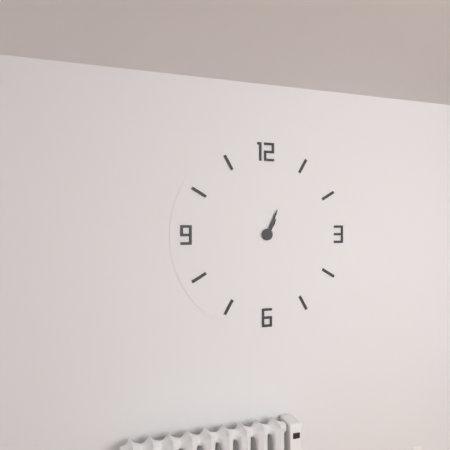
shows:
1,04
